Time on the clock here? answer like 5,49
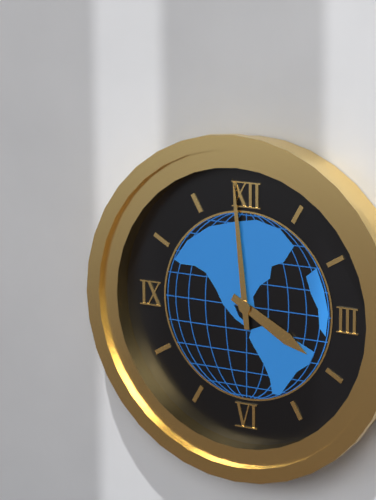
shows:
3,59
